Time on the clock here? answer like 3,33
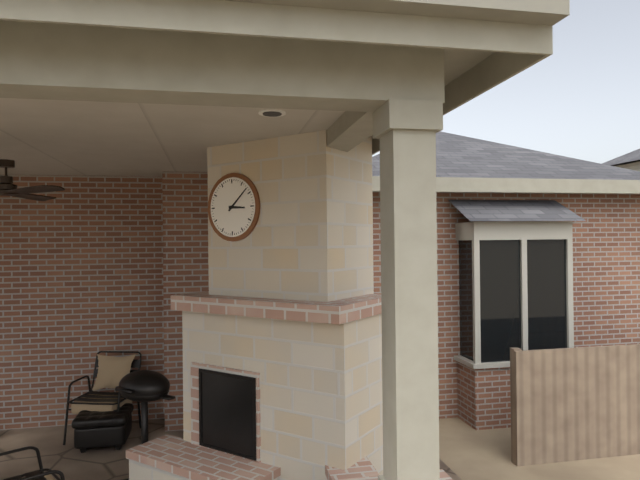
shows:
3,08
